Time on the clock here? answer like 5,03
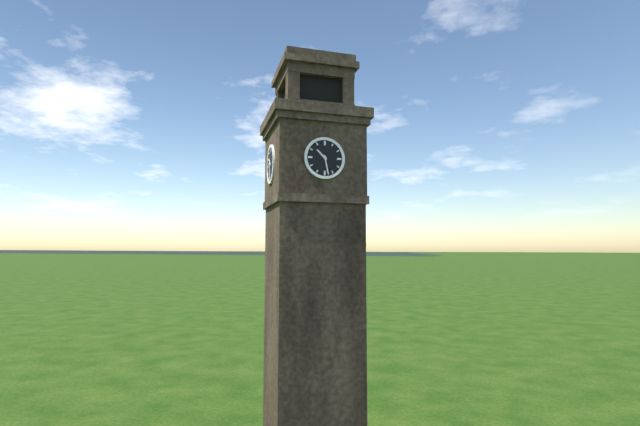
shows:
10,28
